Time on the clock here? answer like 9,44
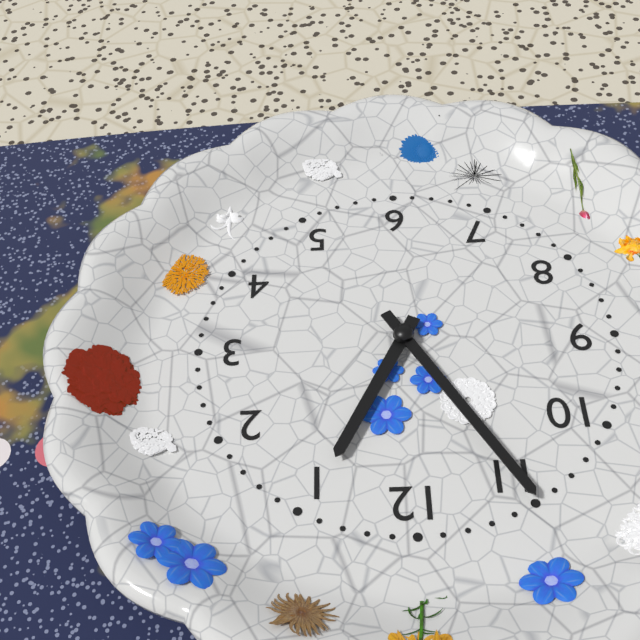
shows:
12,55
